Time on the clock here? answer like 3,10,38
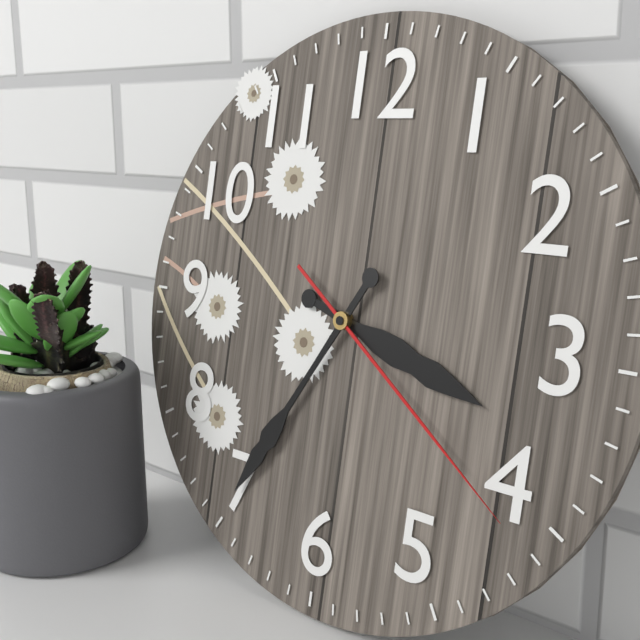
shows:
3,35,21
